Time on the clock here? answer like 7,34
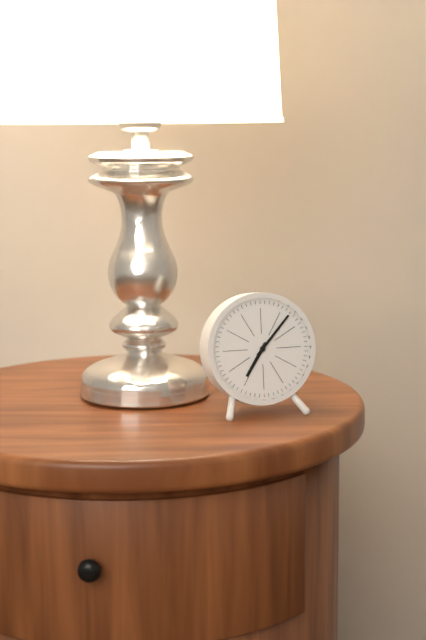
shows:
7,07
